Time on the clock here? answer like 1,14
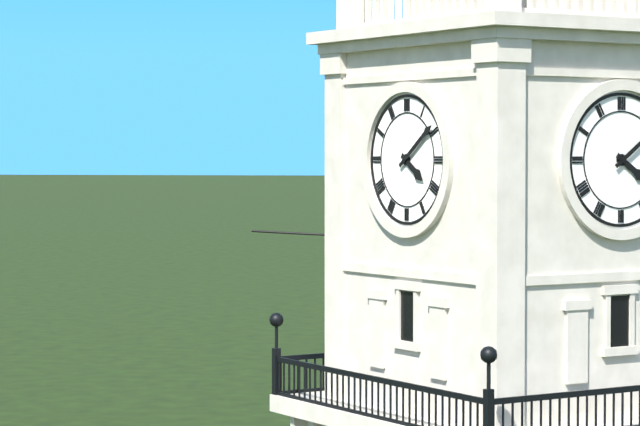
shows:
4,09
